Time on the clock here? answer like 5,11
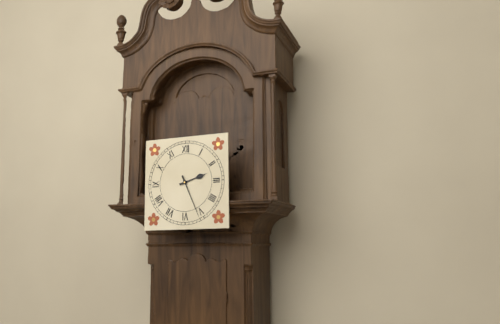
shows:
2,26
